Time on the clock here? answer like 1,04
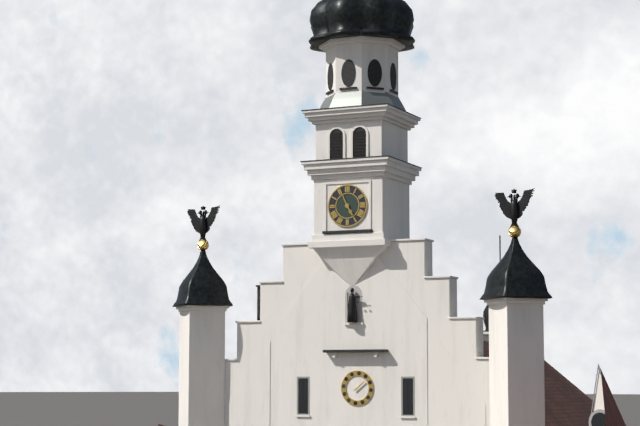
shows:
4,56
